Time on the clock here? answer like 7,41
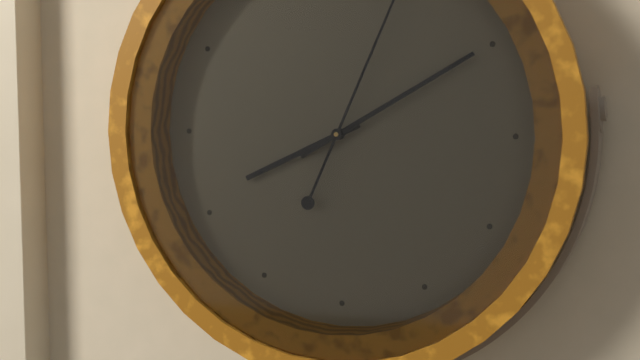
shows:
8,10
